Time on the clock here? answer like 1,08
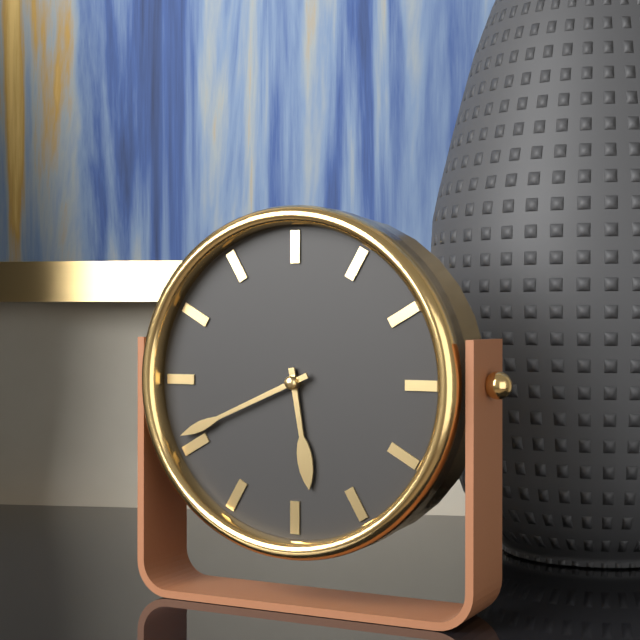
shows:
5,41
